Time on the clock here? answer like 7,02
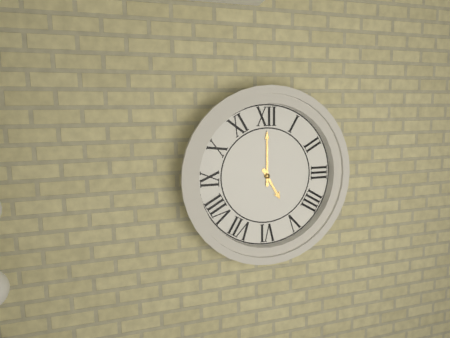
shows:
5,00
